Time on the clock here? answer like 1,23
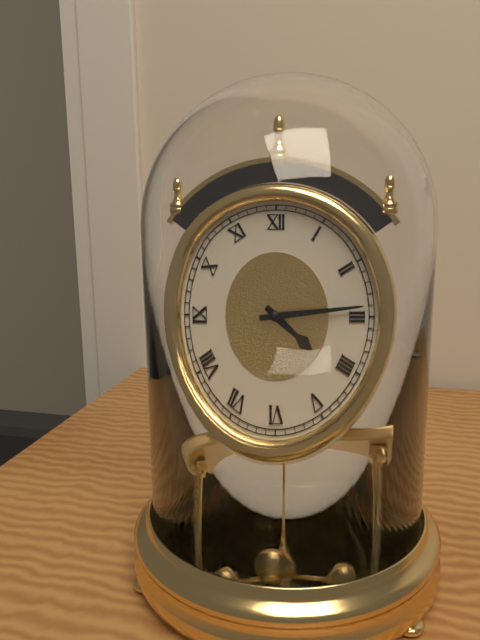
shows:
4,14
